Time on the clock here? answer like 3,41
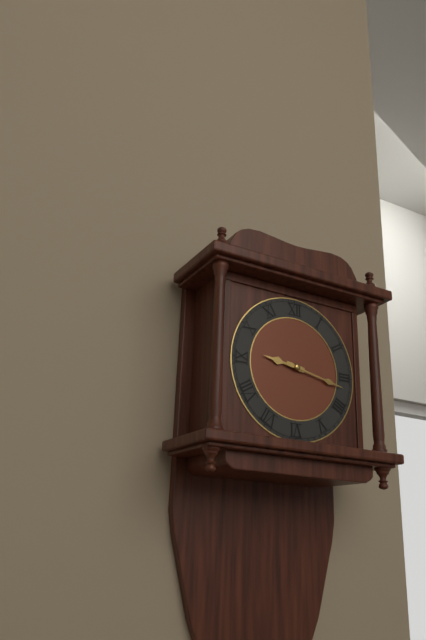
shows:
9,17
